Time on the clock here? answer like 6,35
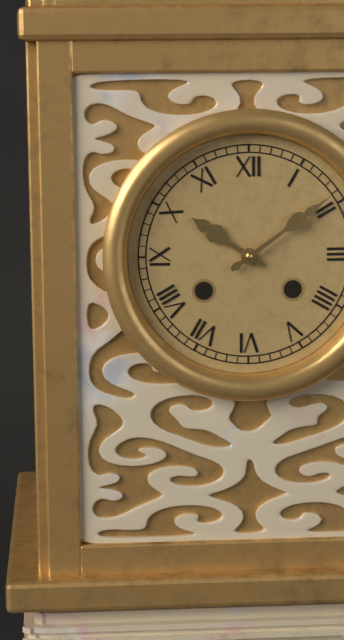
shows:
10,09
